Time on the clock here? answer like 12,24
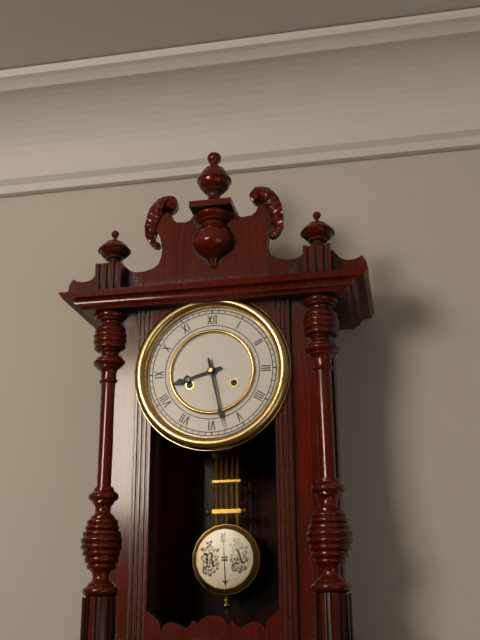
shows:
8,28
